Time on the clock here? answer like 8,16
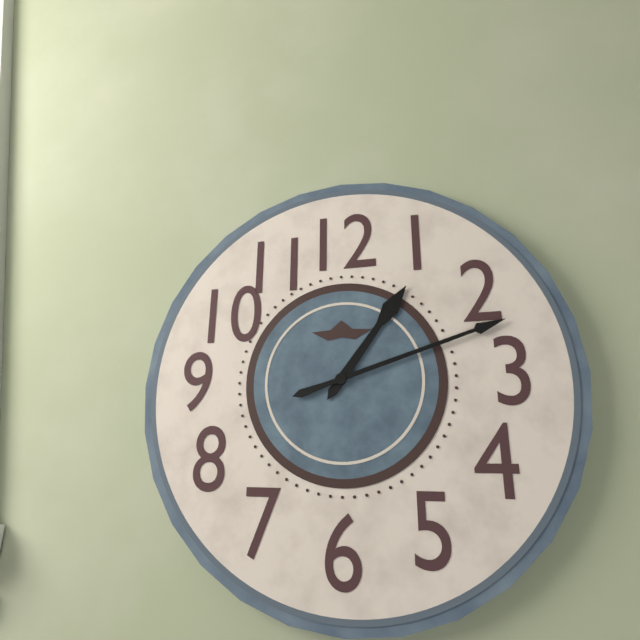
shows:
1,12
